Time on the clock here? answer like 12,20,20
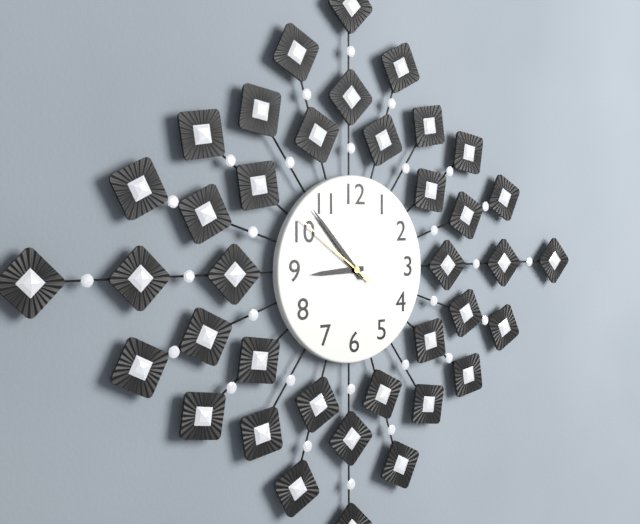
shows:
8,53,51
